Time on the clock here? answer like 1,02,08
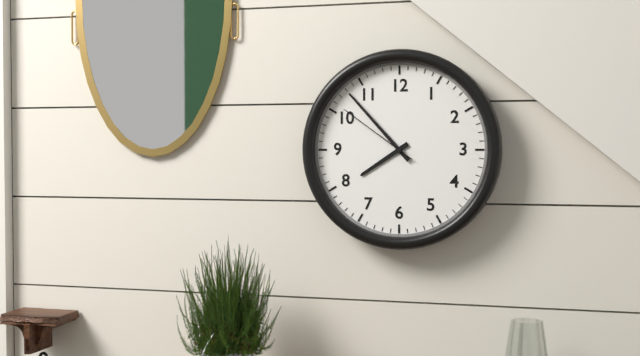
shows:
7,53,51
